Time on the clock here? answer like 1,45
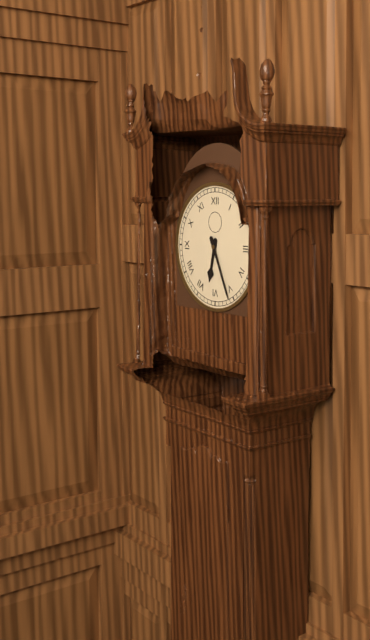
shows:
6,26
